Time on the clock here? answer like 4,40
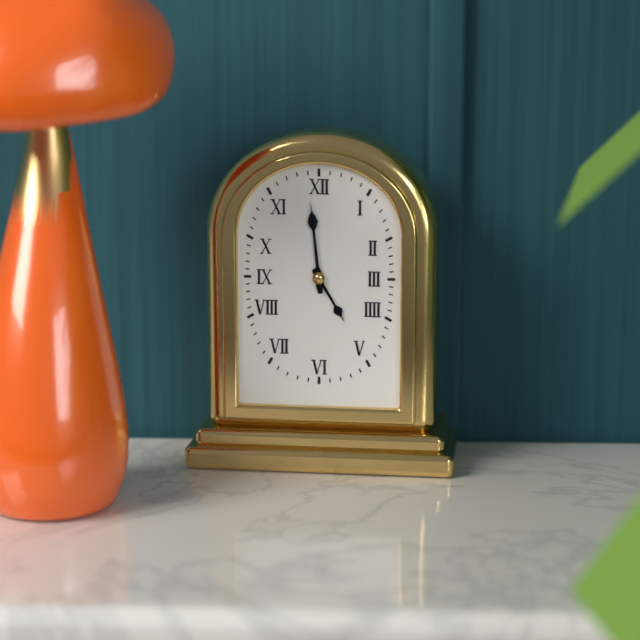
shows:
4,59
